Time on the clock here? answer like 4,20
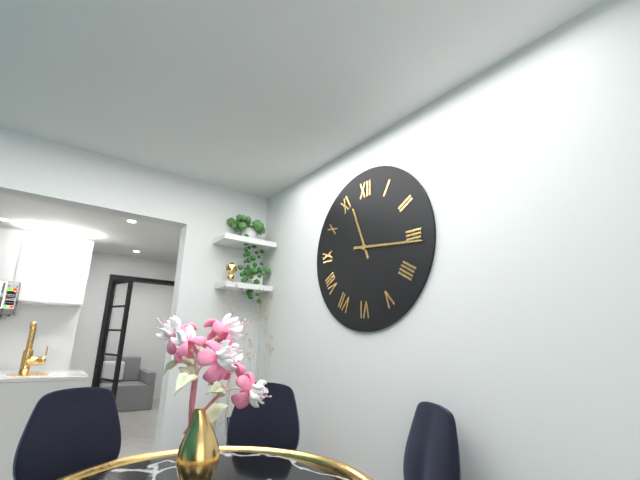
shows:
11,16
